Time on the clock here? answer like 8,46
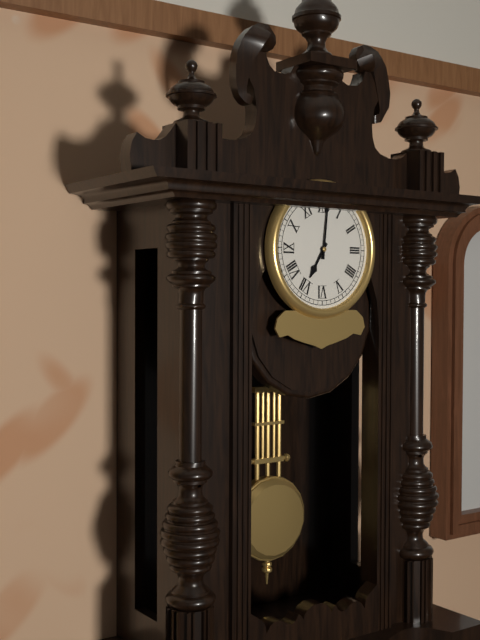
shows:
7,01
